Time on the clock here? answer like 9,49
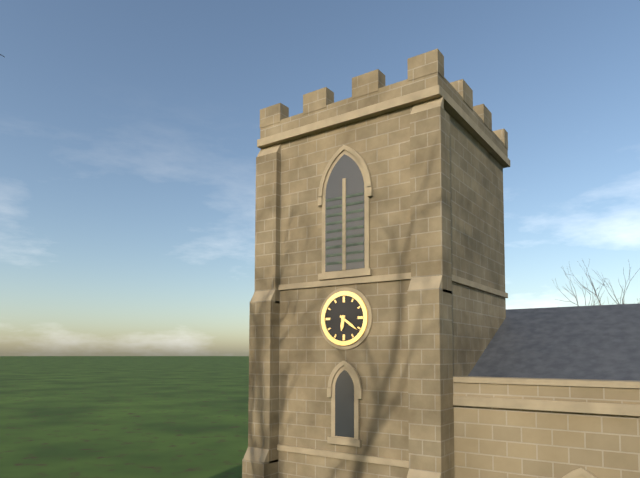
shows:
6,21
